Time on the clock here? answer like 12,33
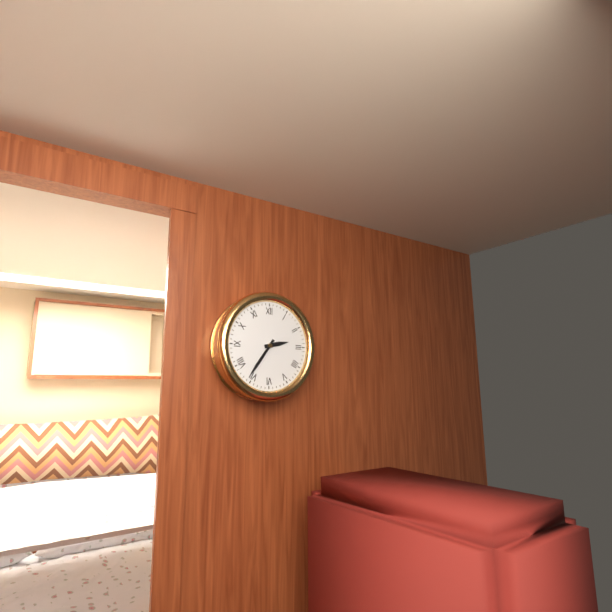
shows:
2,36
